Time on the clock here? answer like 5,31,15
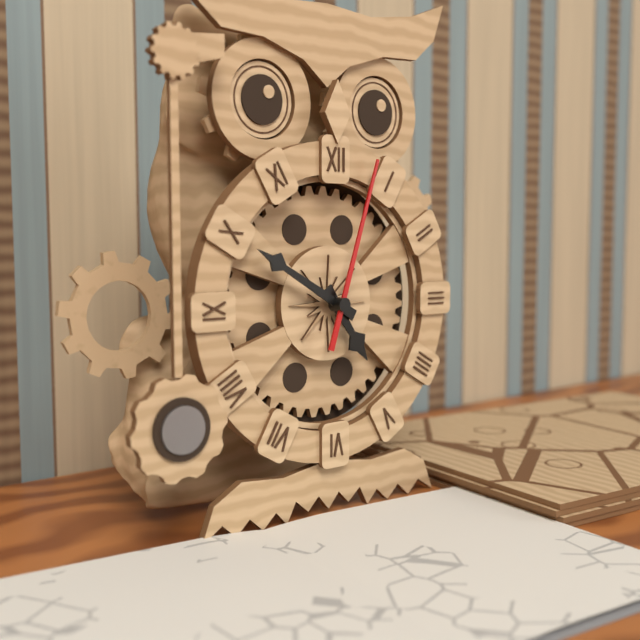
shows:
4,50,03
